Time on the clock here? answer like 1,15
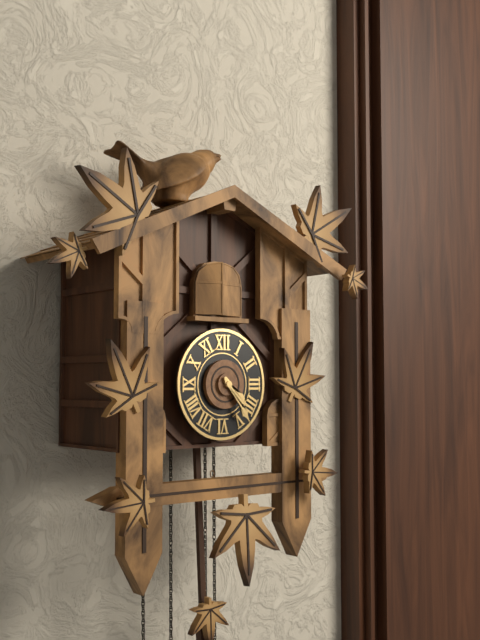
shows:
4,24
